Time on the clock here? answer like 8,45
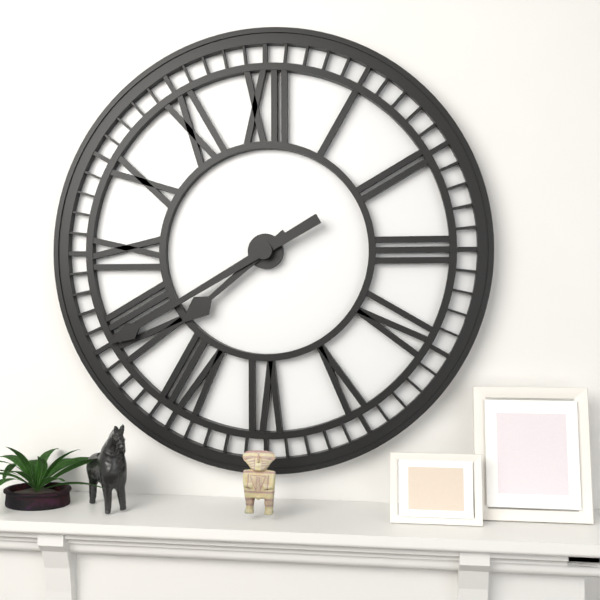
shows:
7,40
